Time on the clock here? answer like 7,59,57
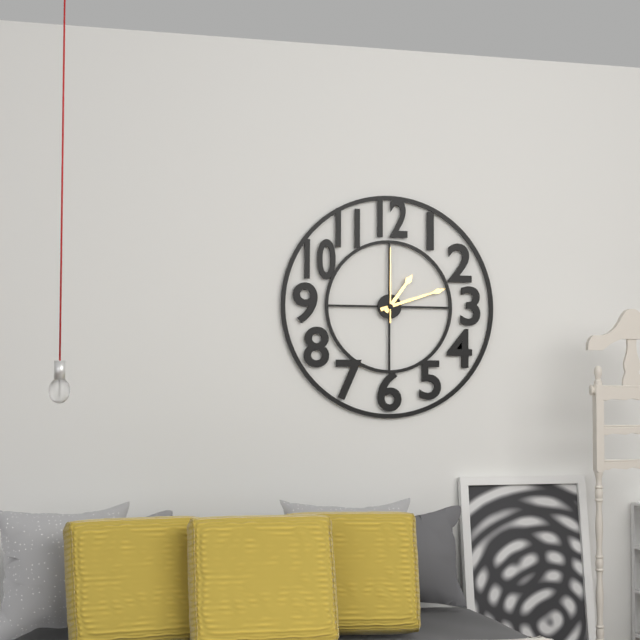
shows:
1,12,00
